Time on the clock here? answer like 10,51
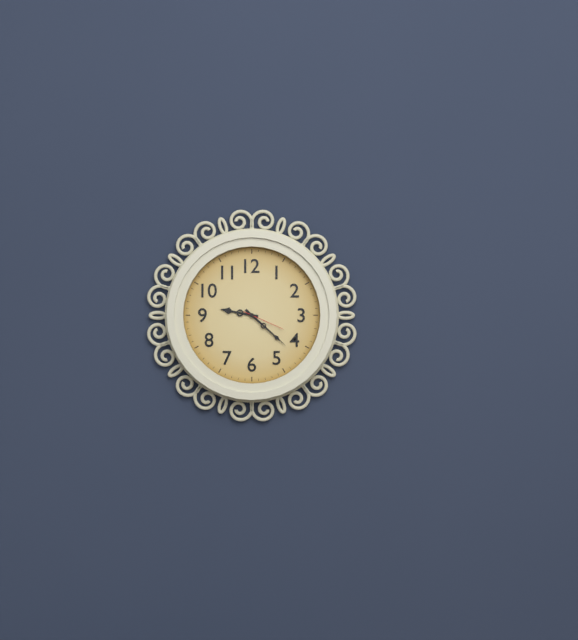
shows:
9,22
